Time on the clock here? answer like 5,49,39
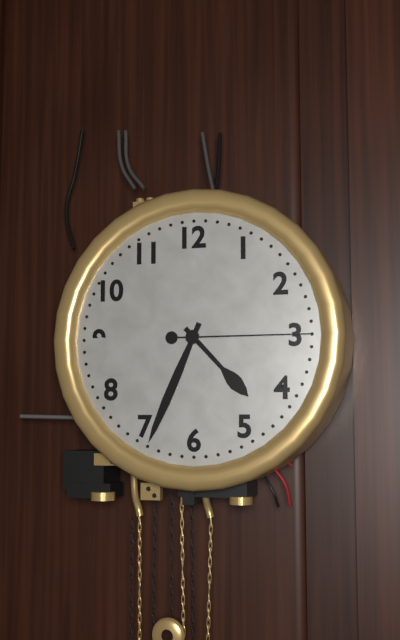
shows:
4,34,15
